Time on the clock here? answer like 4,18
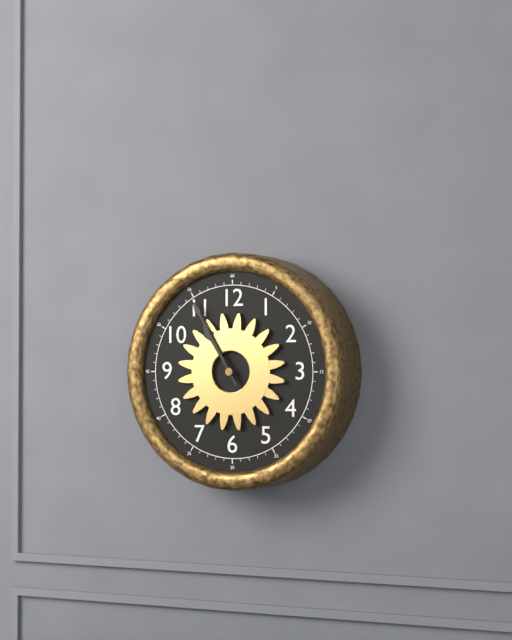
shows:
10,55
